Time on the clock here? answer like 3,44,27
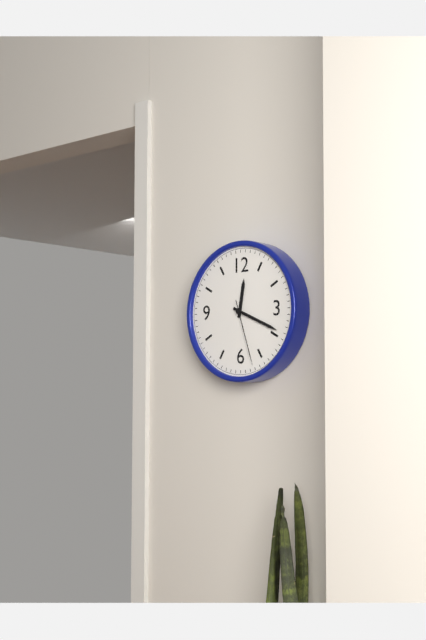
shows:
12,19,27
